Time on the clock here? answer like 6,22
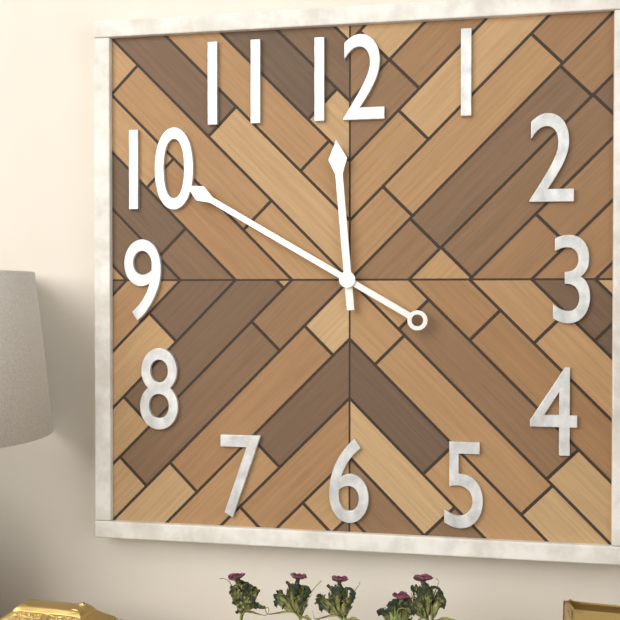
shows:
11,50
